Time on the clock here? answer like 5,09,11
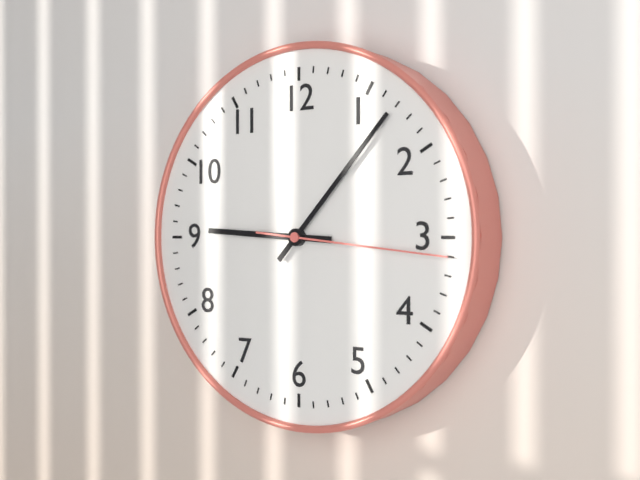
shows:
9,07,16
